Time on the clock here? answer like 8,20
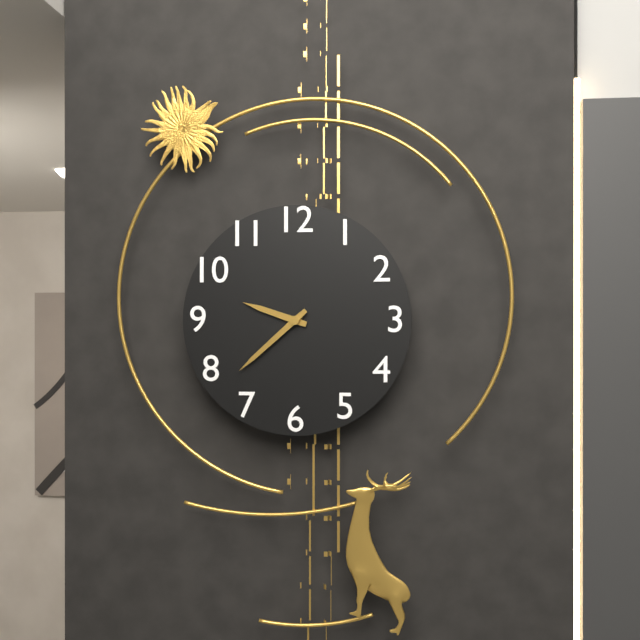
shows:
9,38
